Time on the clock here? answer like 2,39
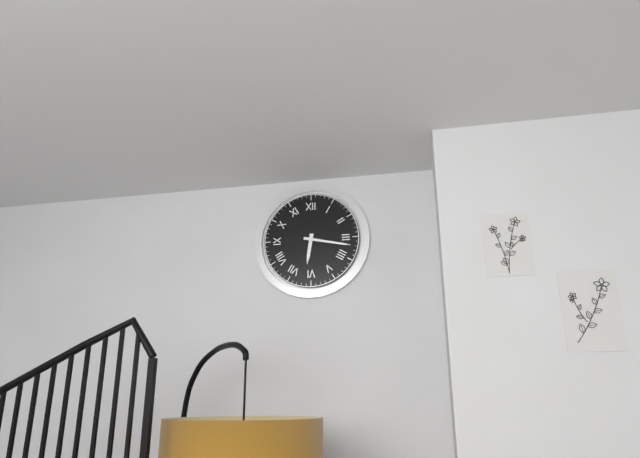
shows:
6,17
